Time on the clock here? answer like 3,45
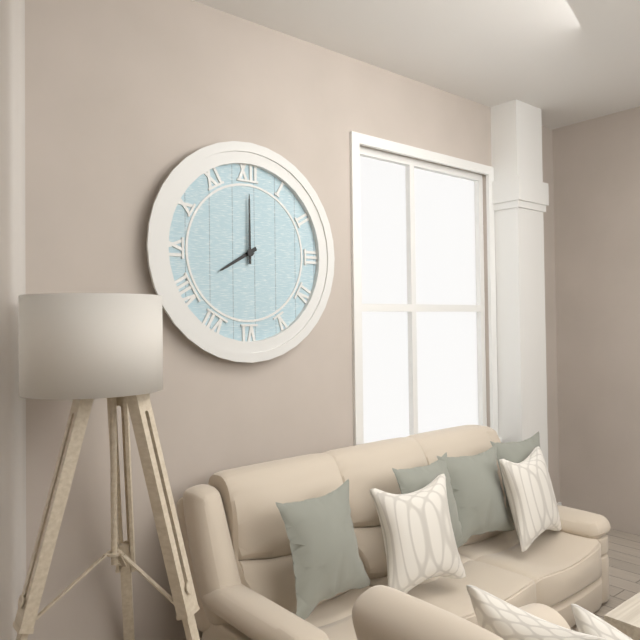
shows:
8,00
